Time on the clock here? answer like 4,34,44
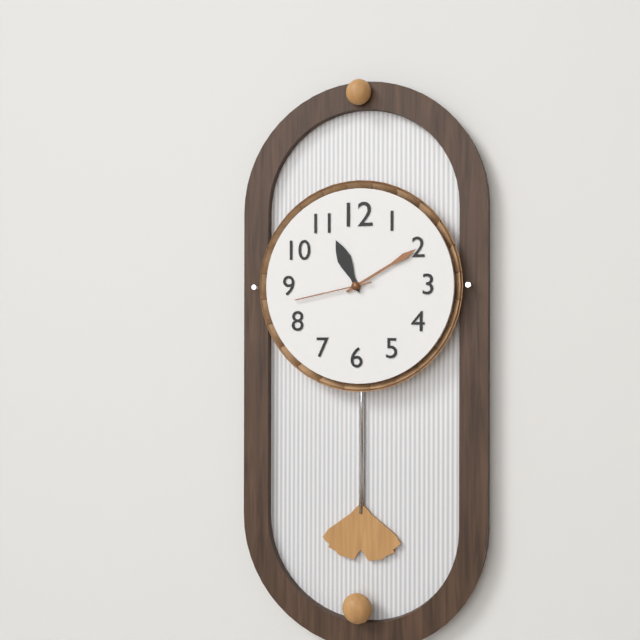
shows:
11,10,43
